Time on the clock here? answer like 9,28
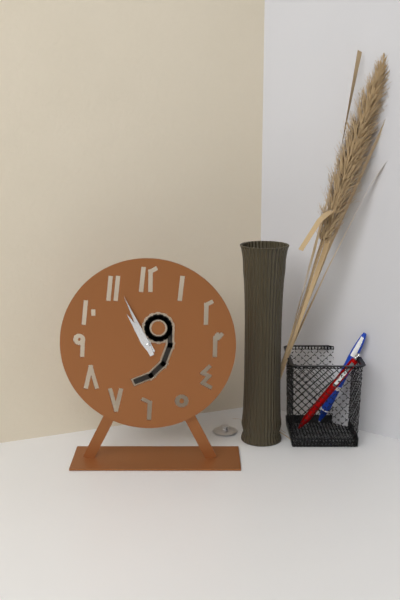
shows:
10,56
